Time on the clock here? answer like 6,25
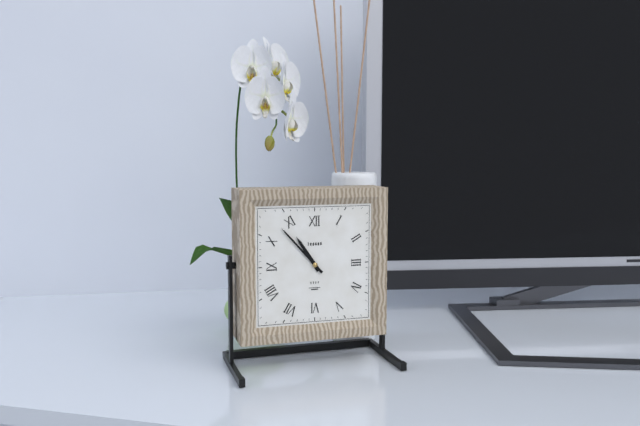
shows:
10,53
